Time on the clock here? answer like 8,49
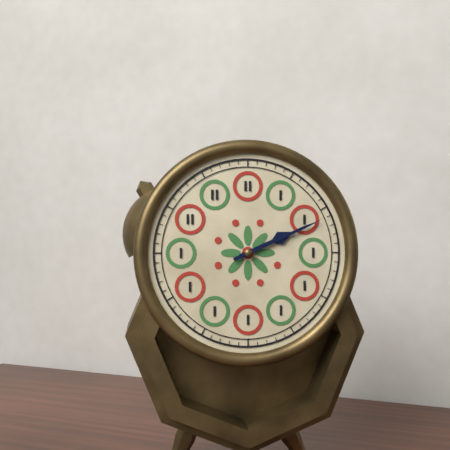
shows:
2,11
